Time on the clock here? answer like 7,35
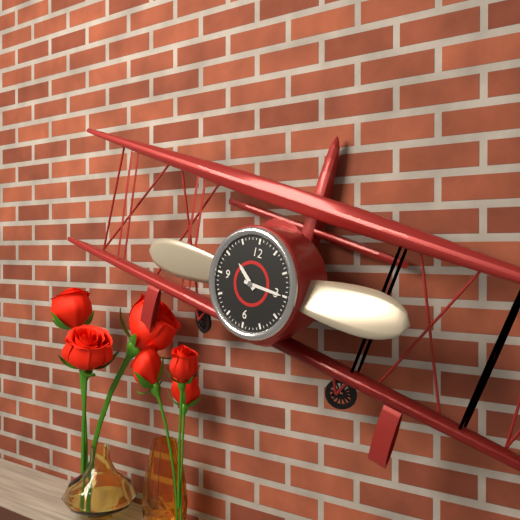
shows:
10,15
